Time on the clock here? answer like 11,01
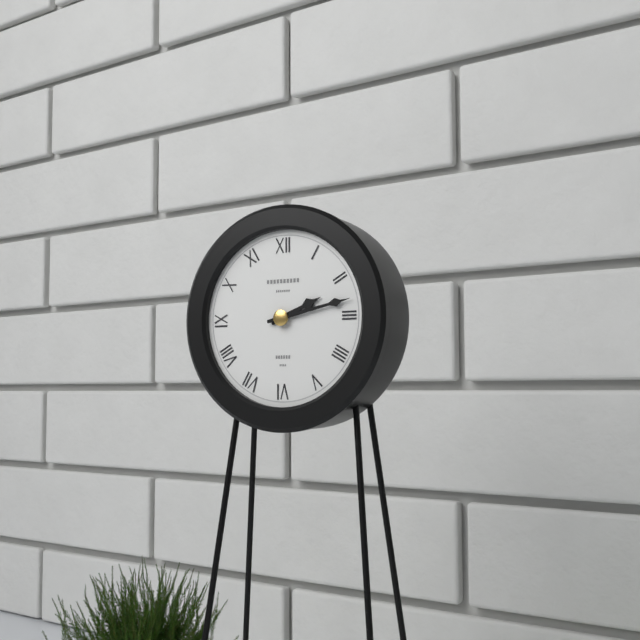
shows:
2,13
